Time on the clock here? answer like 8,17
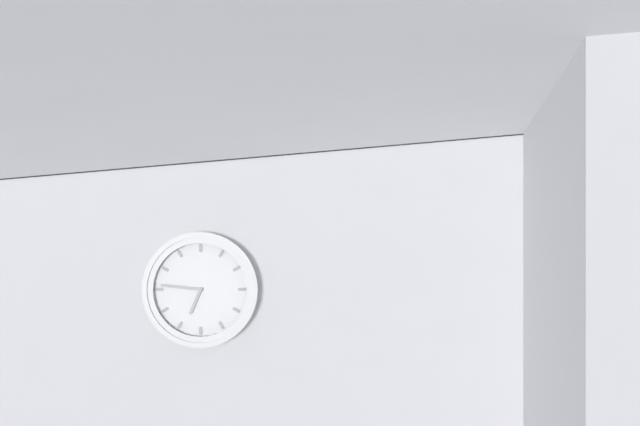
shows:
6,46
